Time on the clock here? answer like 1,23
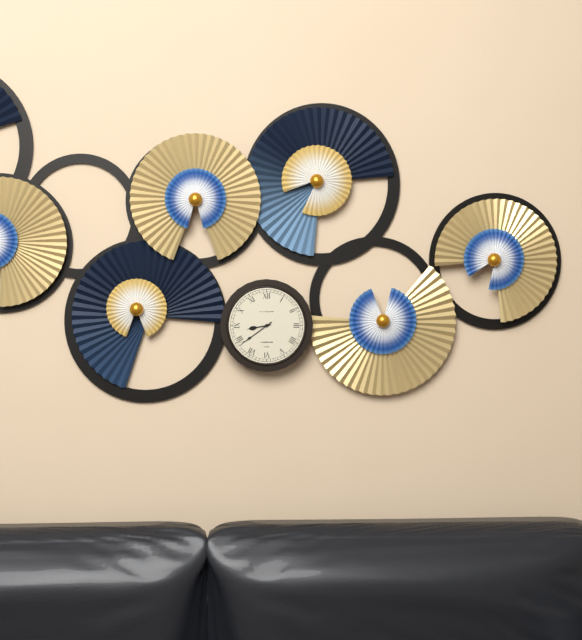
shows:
8,39
